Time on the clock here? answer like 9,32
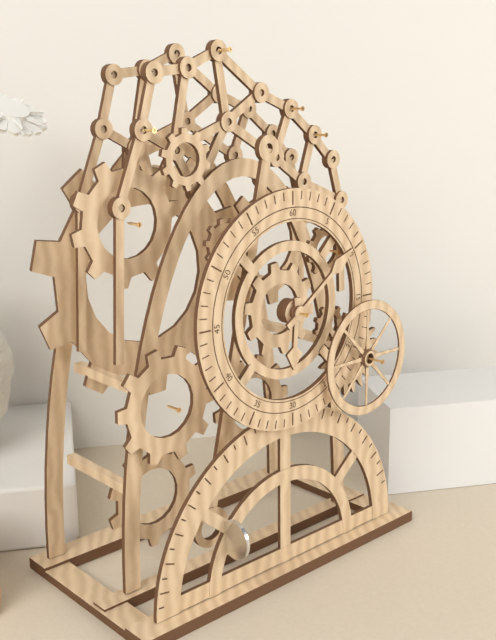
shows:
6,09
